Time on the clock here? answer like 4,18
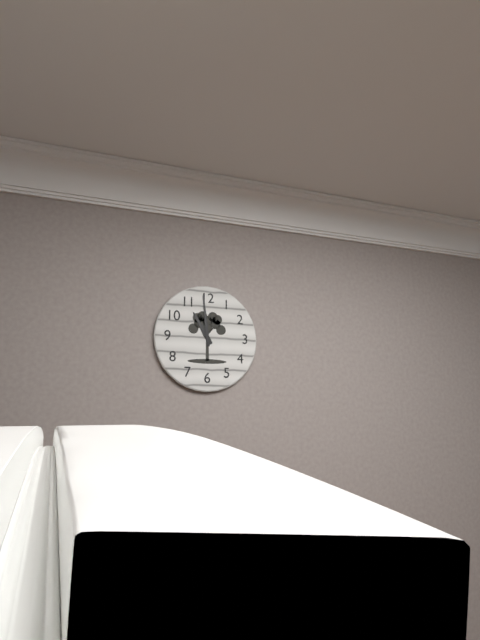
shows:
10,59
